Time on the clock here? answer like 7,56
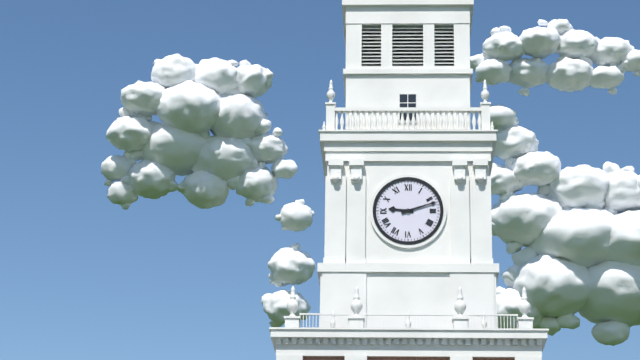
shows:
9,12
